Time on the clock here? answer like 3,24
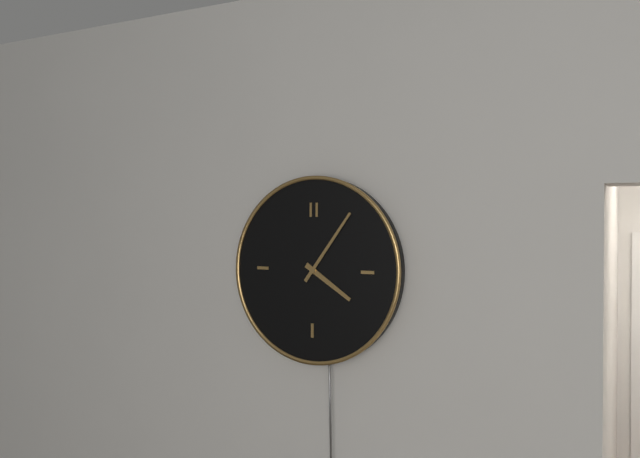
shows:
4,06
